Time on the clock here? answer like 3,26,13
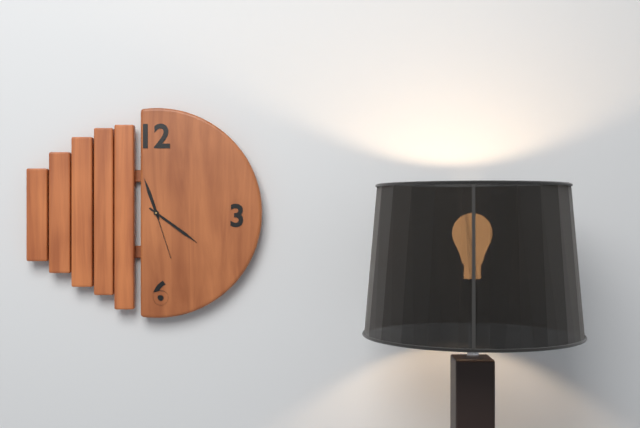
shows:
11,21,27
